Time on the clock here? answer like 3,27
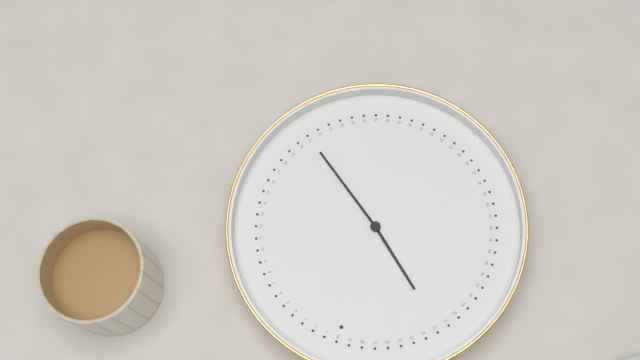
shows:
10,21
